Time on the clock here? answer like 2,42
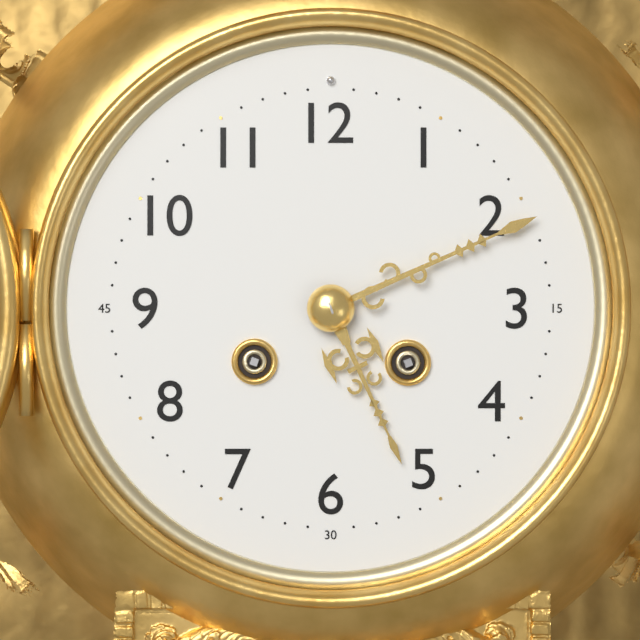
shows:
5,11
